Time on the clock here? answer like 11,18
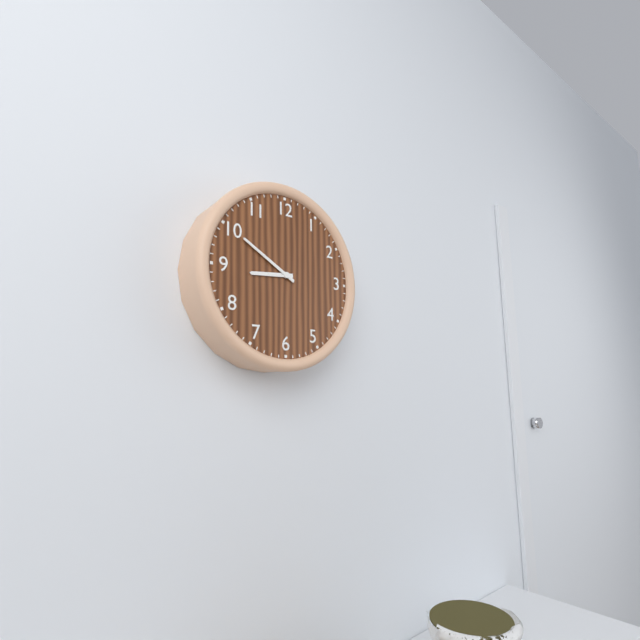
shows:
8,50
